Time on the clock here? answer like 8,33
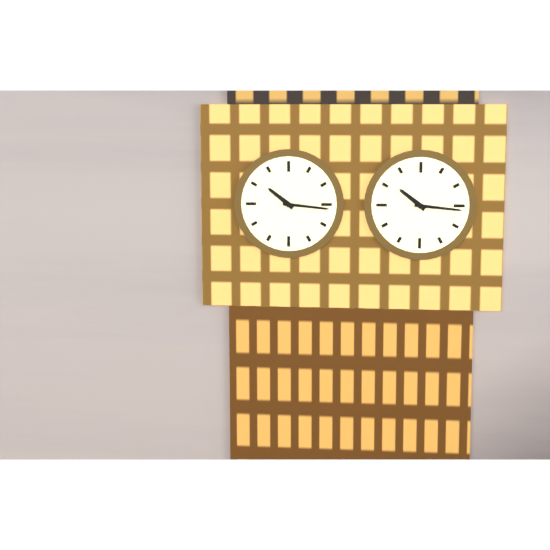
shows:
10,16
